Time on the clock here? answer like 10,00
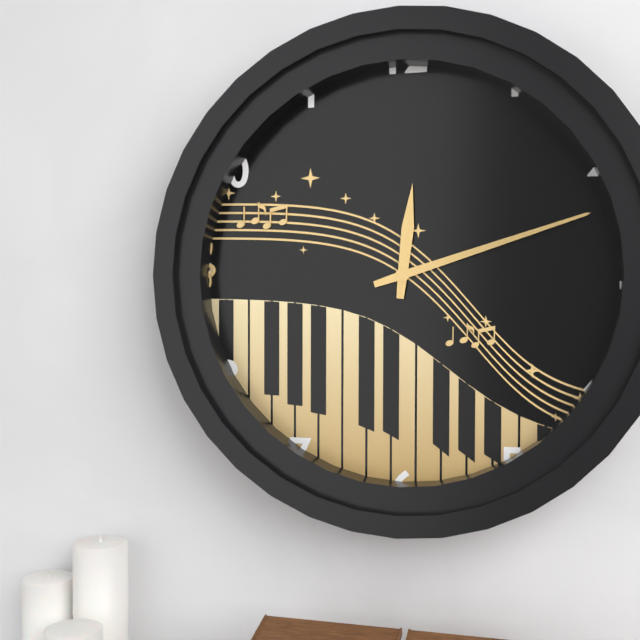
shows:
12,12
